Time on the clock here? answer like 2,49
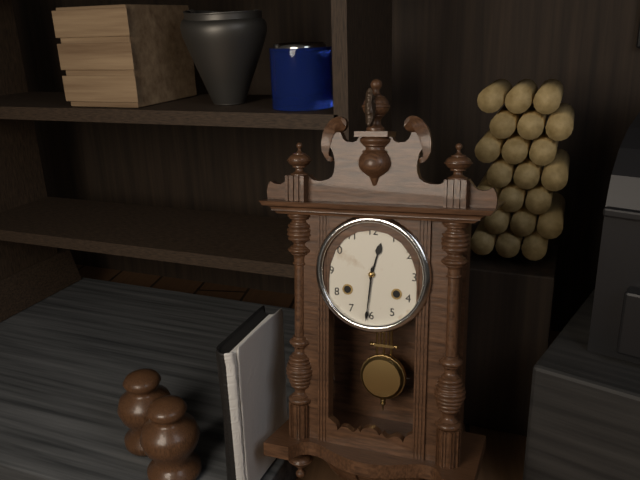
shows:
12,31
